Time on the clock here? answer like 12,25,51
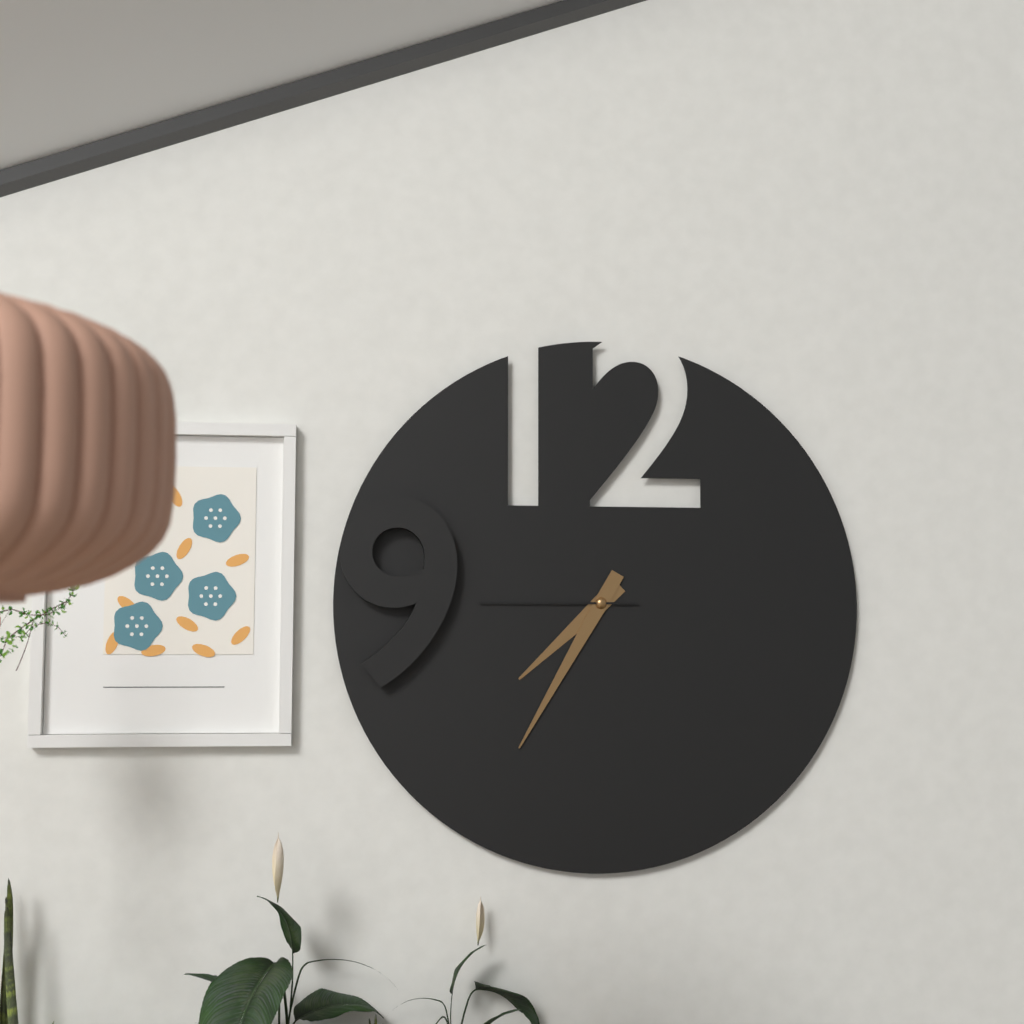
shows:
7,35,45
